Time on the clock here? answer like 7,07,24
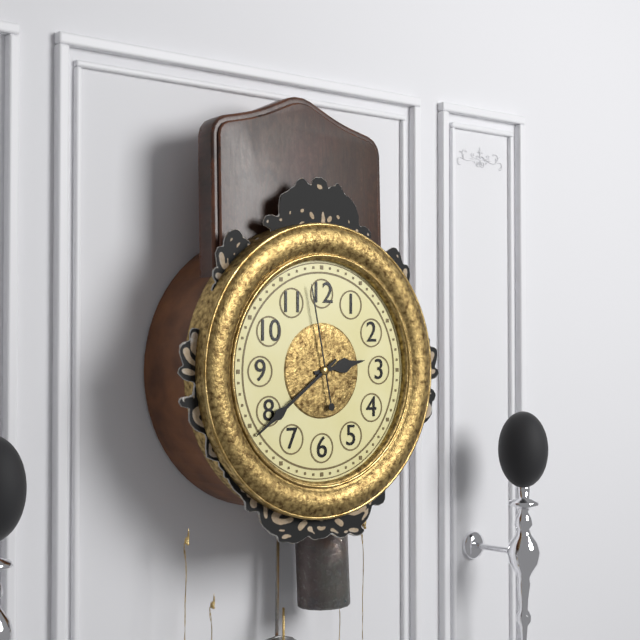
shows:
2,39,58
